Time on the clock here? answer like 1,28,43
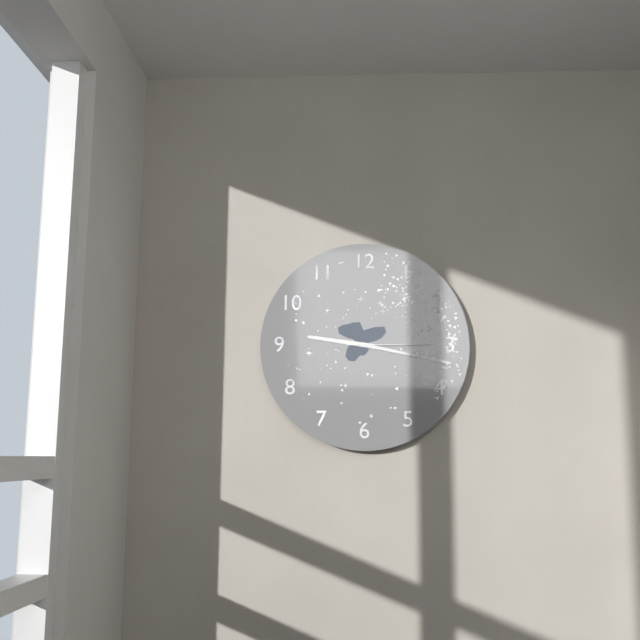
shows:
9,17,15
